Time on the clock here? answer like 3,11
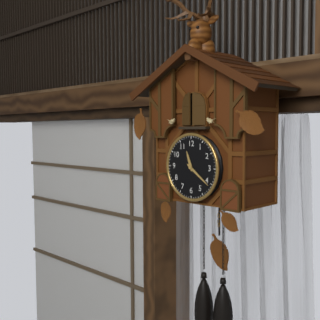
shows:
11,21
